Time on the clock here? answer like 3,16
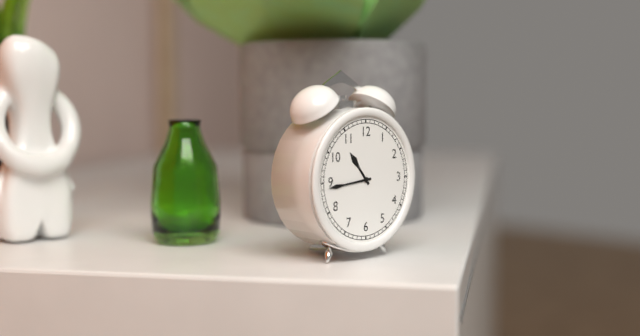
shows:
10,44
